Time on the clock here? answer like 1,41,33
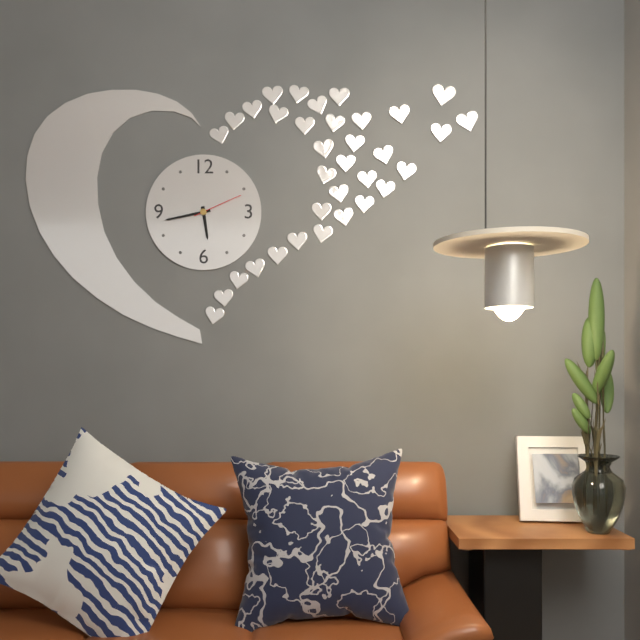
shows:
5,43,11
